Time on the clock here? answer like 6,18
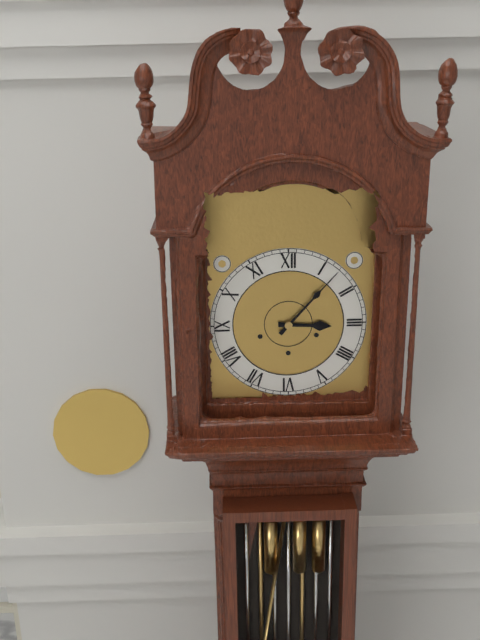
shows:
3,07
